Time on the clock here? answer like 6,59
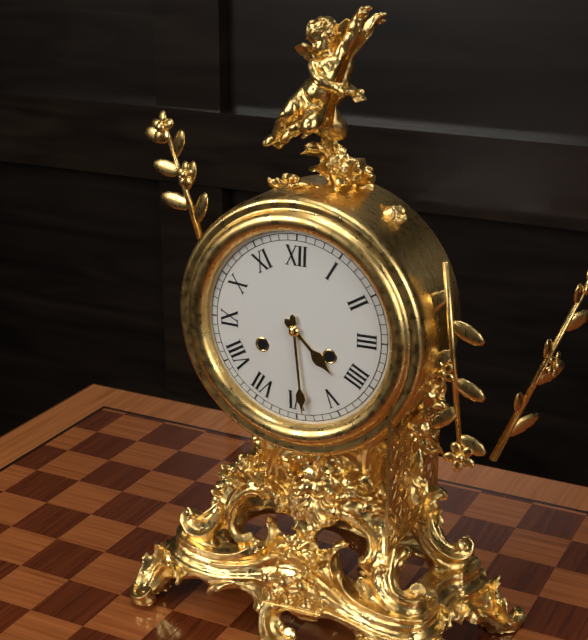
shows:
4,29
